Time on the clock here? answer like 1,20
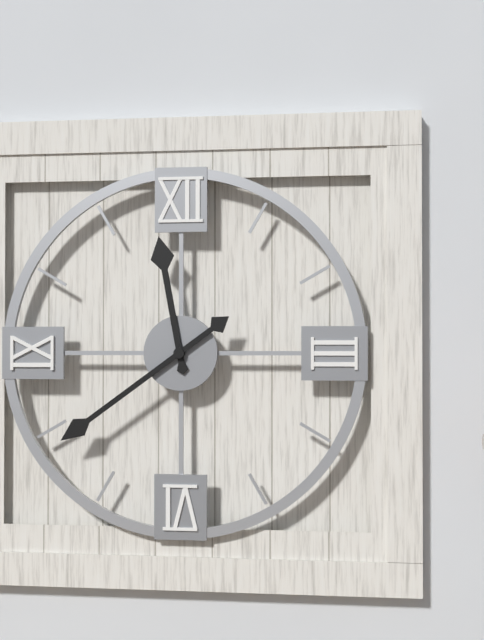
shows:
11,39
